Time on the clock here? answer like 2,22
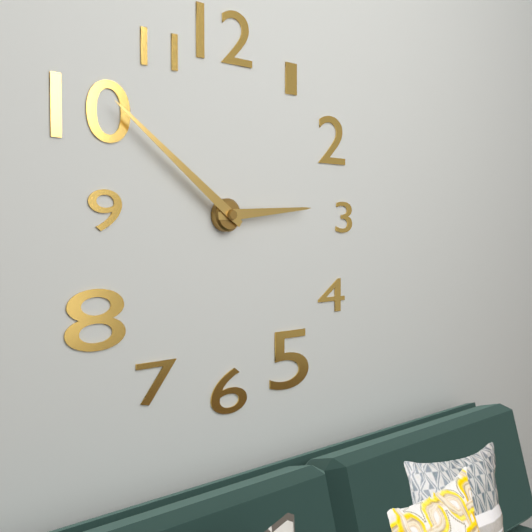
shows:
2,51
